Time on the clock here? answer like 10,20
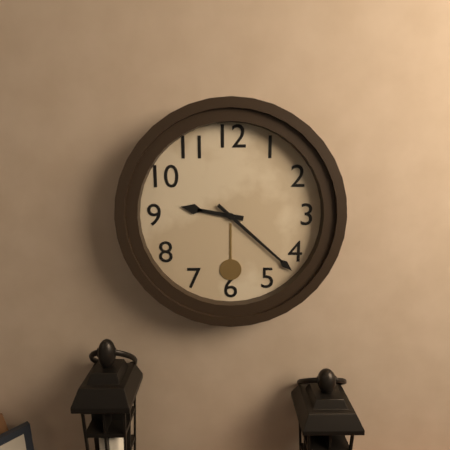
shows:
9,22
